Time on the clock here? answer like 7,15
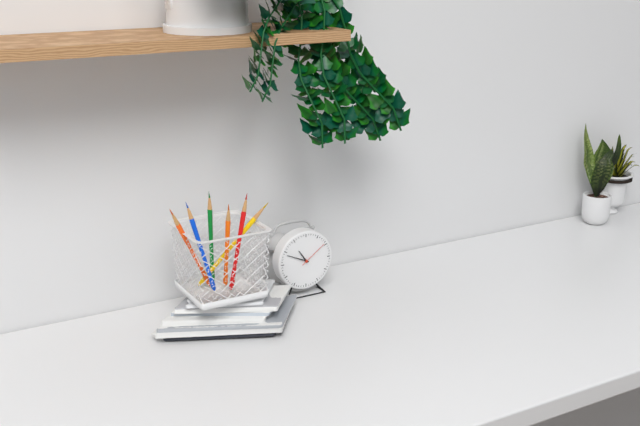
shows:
10,49
